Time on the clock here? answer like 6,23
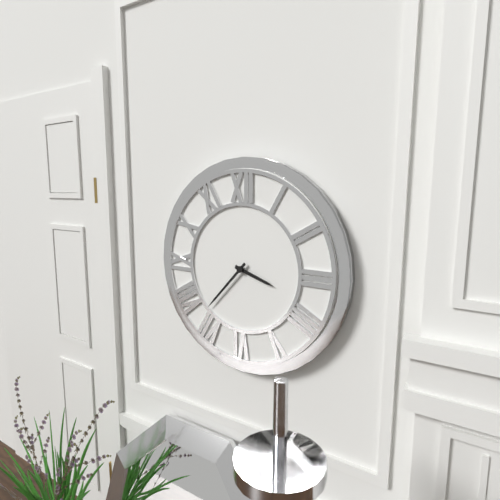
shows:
3,37
